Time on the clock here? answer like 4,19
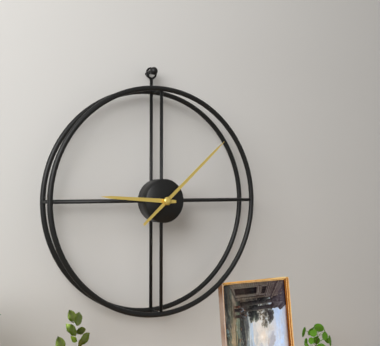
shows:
9,08
